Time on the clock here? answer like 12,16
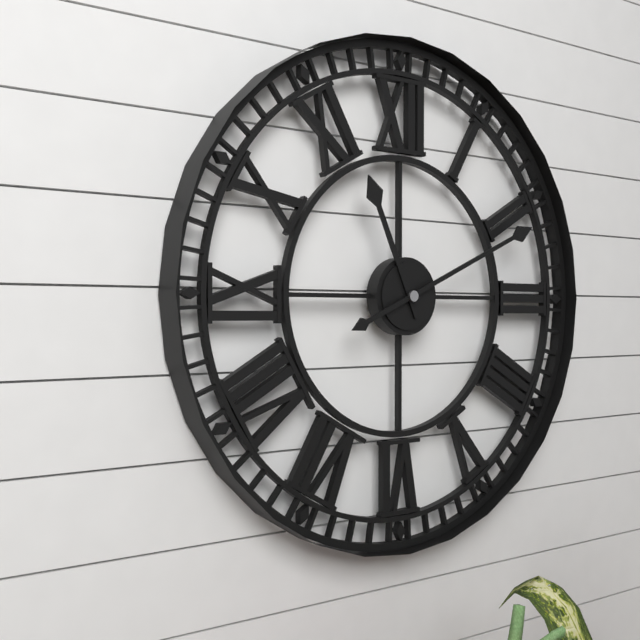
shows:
11,11
